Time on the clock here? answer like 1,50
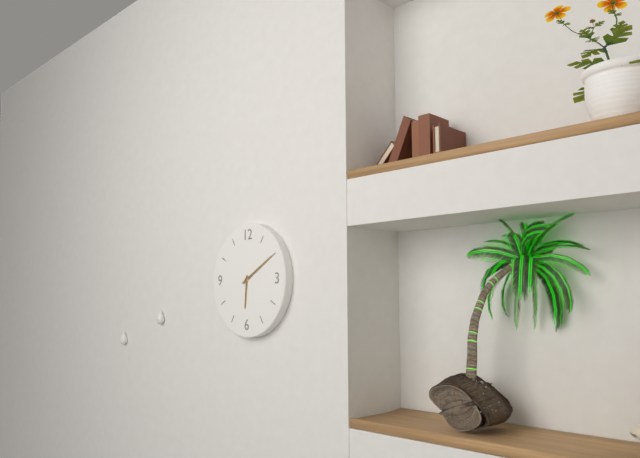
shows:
6,10
